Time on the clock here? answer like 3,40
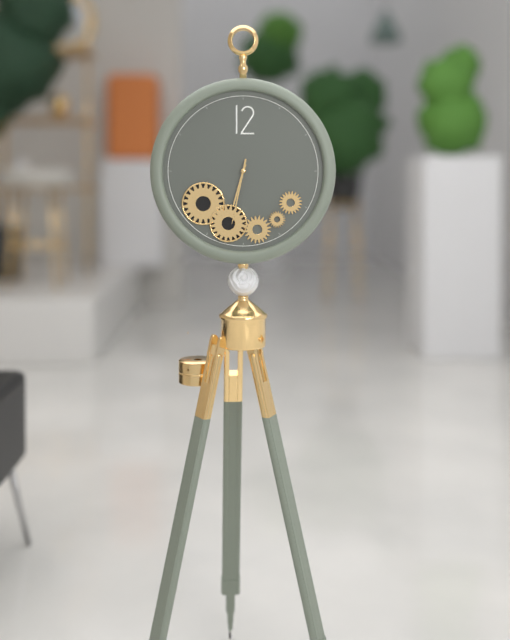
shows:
6,32
